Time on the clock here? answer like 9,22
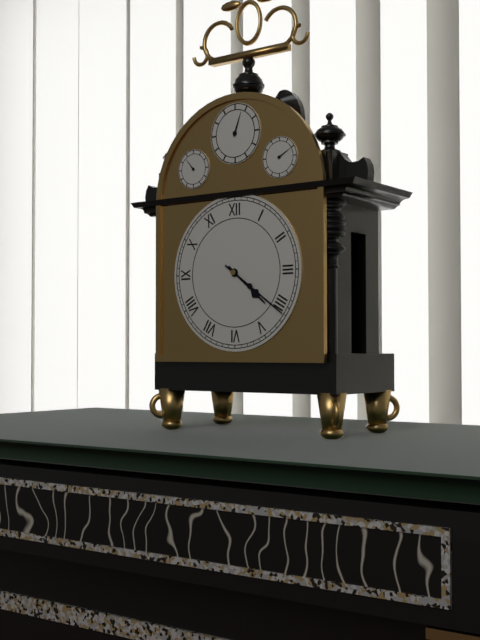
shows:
4,21
